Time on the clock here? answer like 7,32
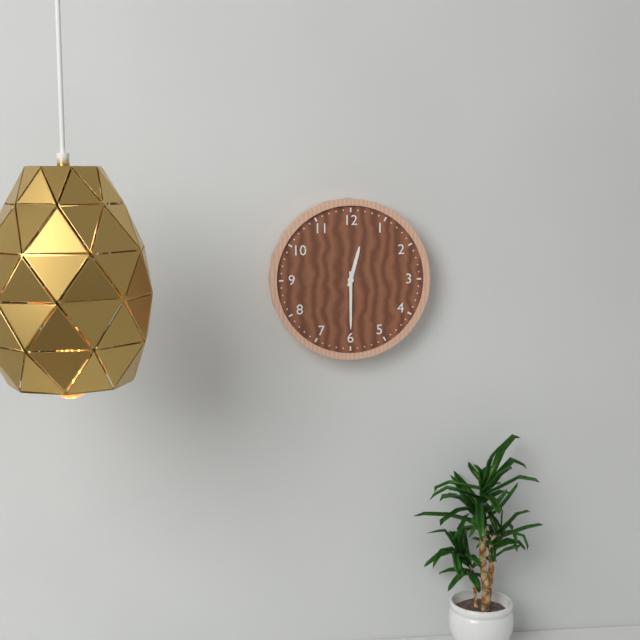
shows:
12,30
